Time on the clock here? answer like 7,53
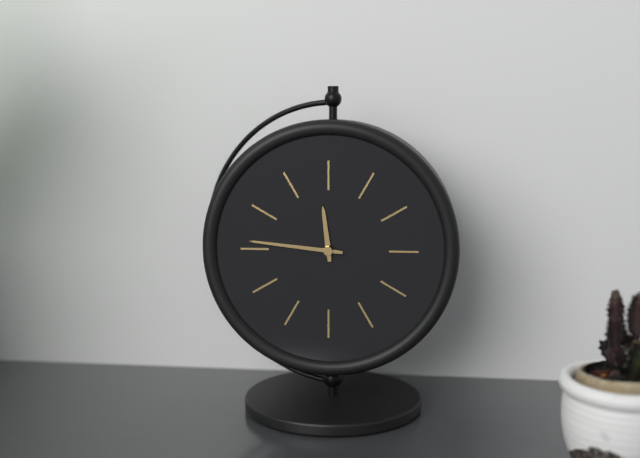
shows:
11,46
